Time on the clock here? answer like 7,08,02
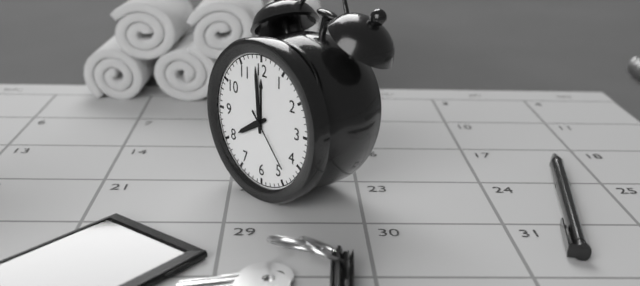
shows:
7,59,23
